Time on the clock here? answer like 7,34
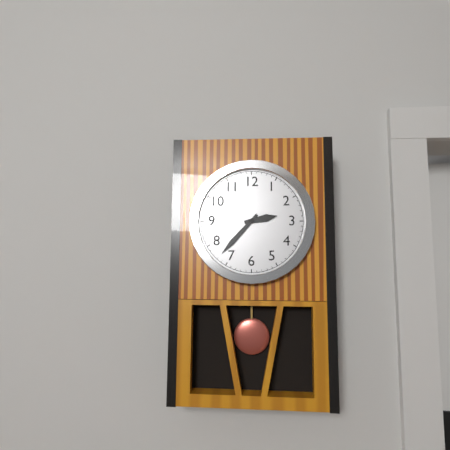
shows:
2,37
